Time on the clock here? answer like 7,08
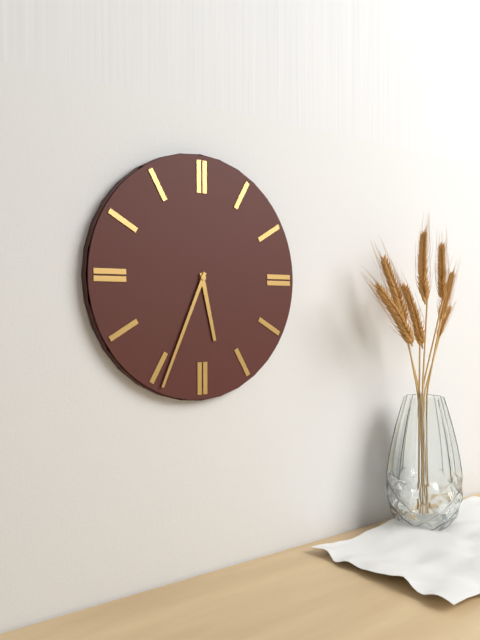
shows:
5,34
